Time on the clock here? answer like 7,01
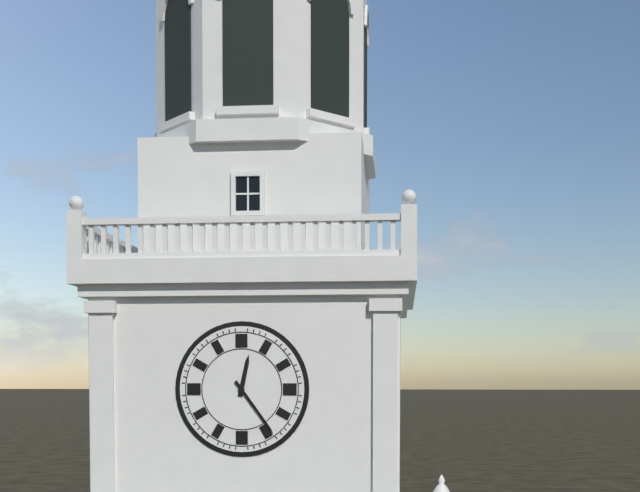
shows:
12,24
